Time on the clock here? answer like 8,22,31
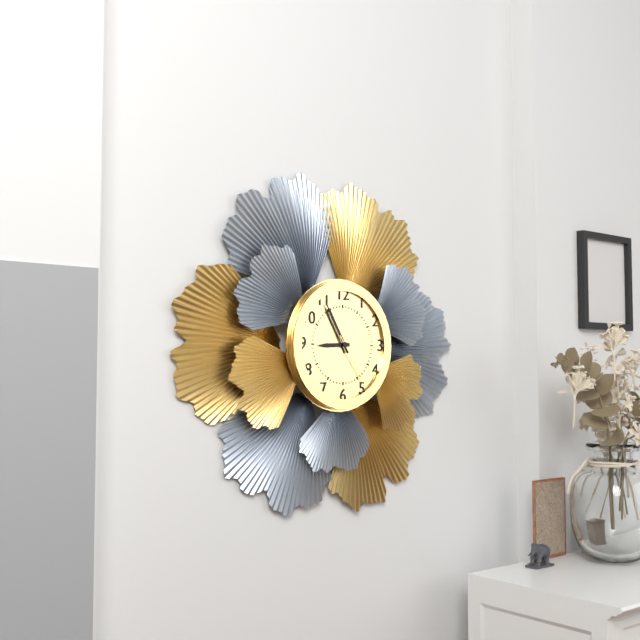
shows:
8,55,24
